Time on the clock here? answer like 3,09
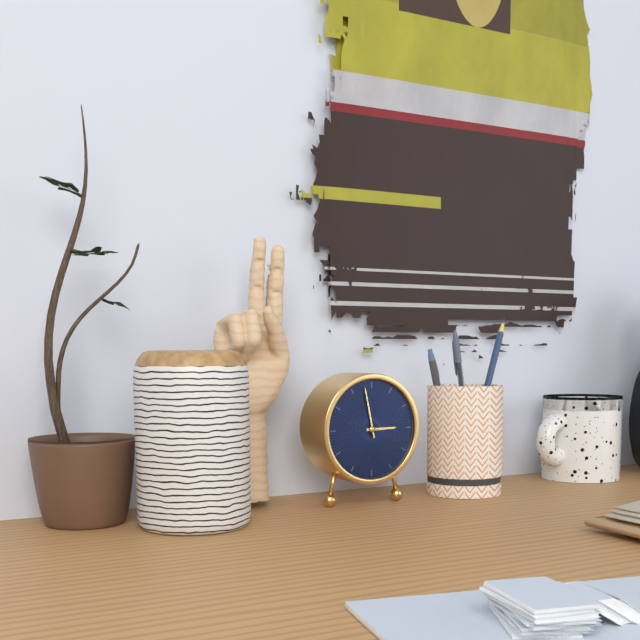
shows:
2,58
